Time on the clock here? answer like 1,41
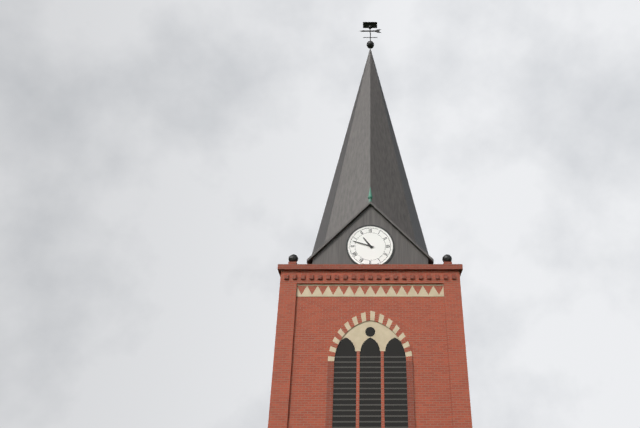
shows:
10,48
